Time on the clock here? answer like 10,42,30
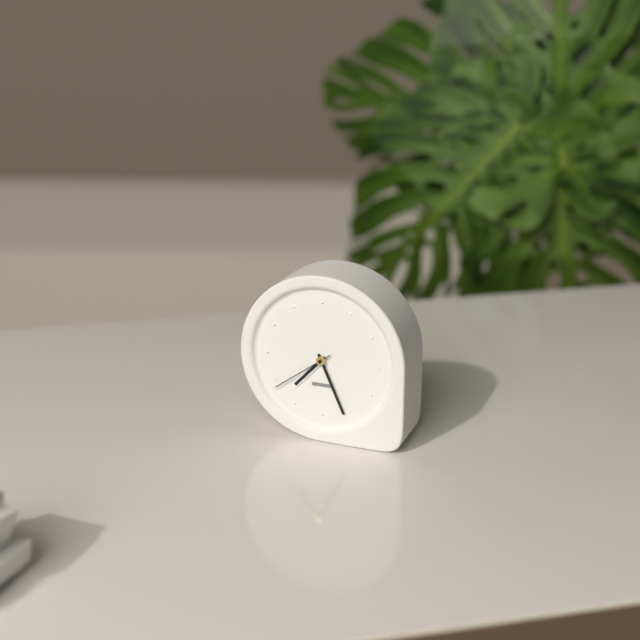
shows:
7,26,39
